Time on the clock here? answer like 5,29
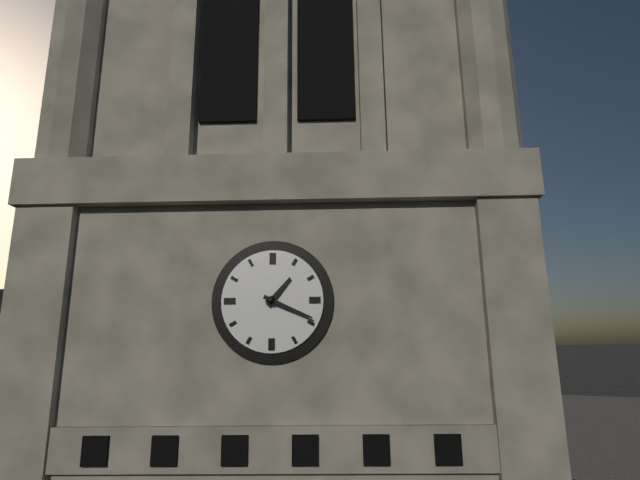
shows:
1,19
